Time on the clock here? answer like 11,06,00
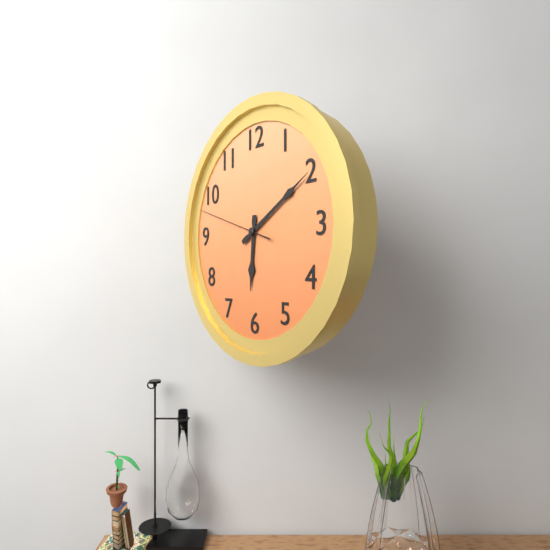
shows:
6,10,48
